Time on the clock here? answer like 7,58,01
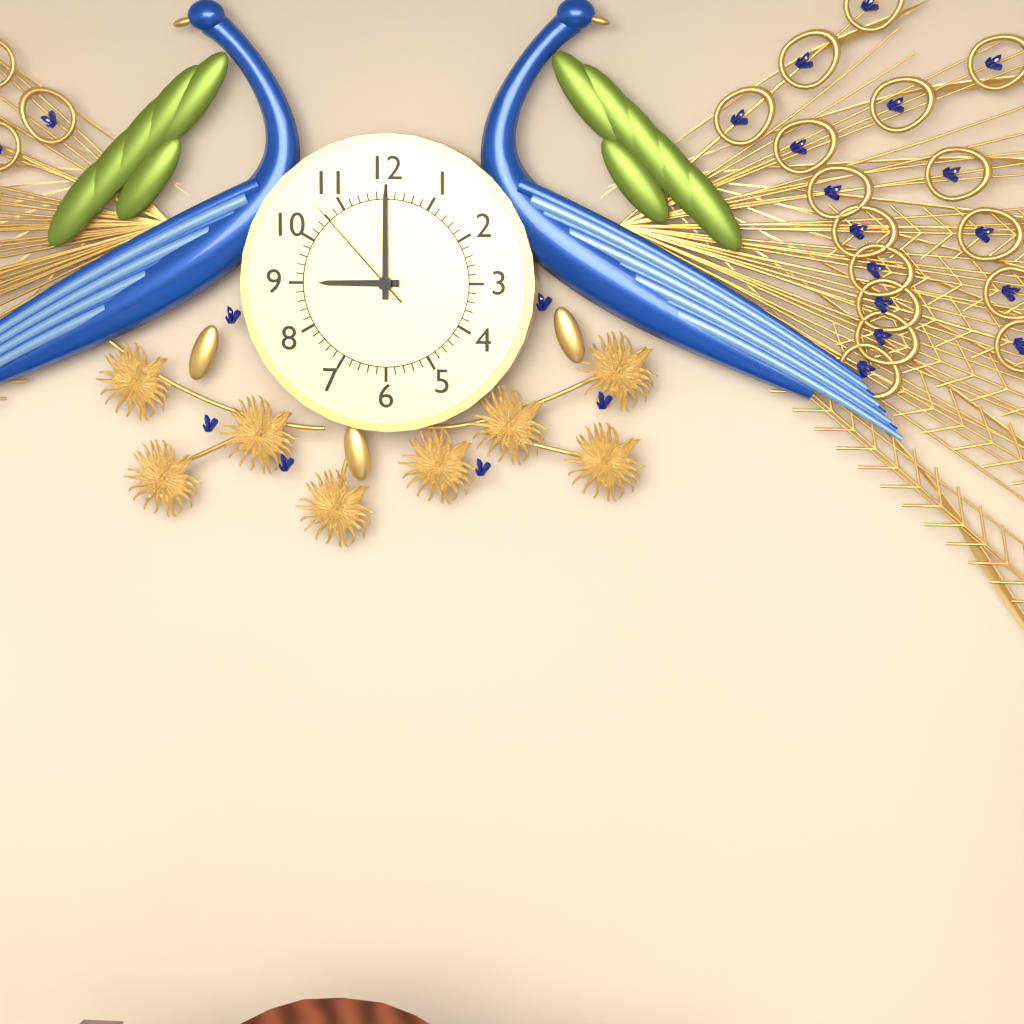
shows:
9,00,53
